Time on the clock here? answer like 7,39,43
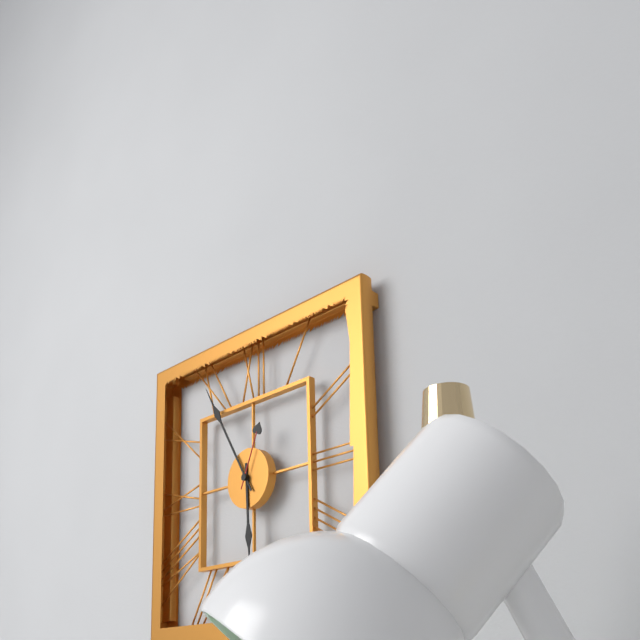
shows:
5,55,04
